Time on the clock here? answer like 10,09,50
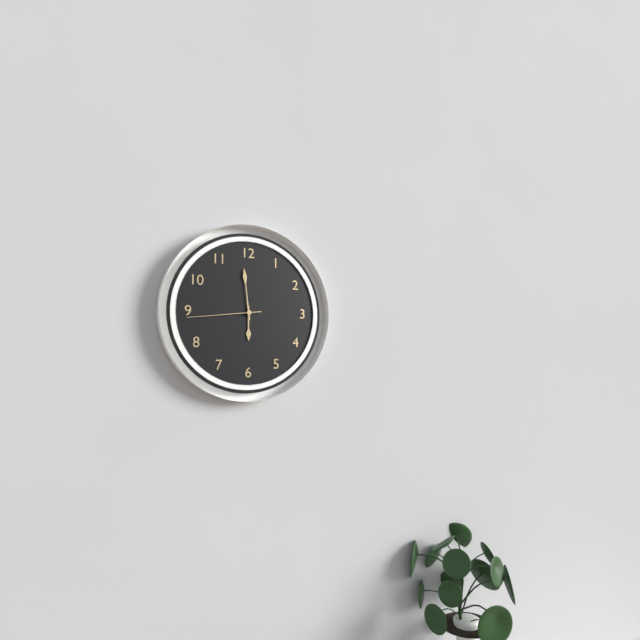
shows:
5,59,44
